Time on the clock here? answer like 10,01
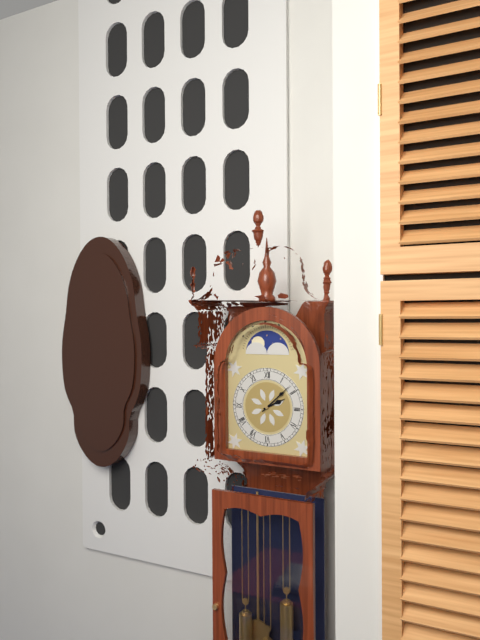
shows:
2,08
